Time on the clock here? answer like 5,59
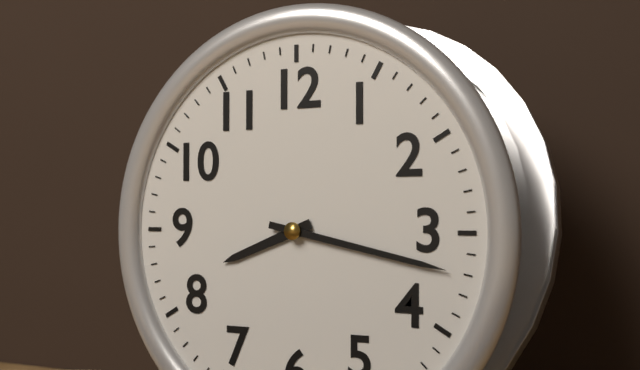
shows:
8,17
